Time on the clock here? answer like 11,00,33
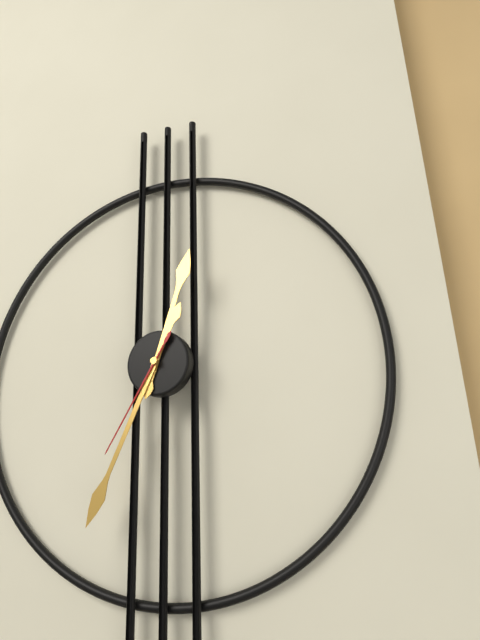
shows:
12,34,35
